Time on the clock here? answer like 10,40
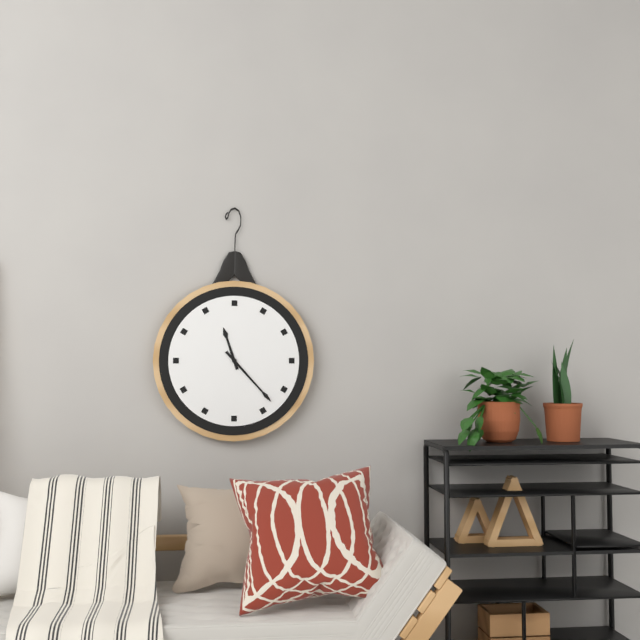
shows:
11,23
